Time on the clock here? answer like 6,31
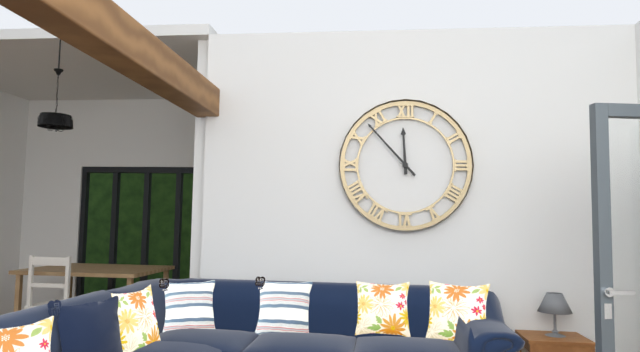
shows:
11,53
